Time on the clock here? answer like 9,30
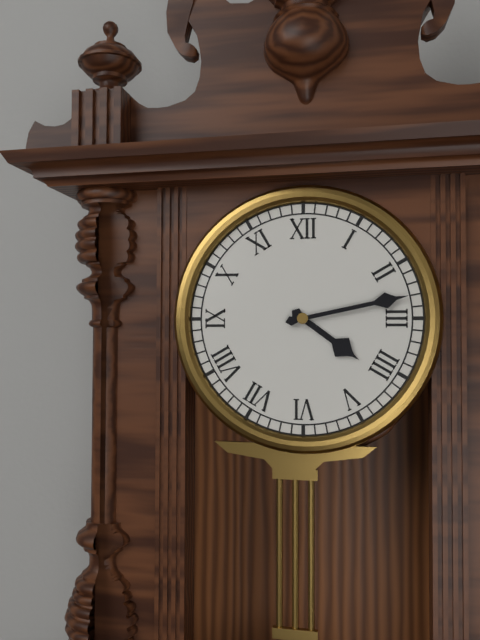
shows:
4,13
